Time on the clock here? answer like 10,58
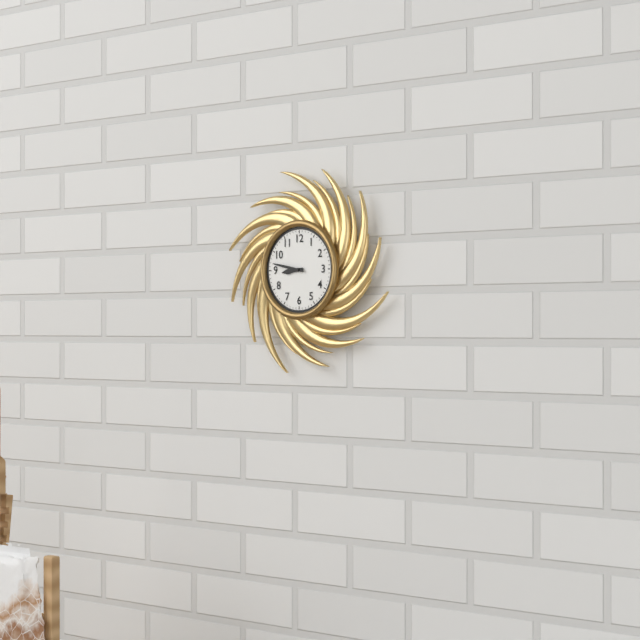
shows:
8,47
